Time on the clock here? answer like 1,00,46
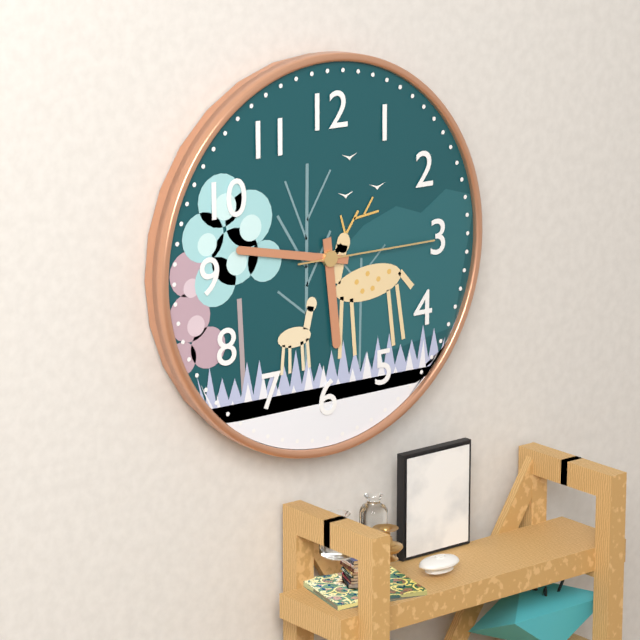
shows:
5,47,15
